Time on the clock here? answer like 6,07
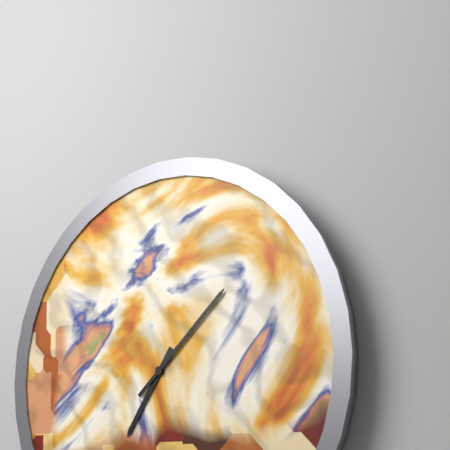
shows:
7,08
